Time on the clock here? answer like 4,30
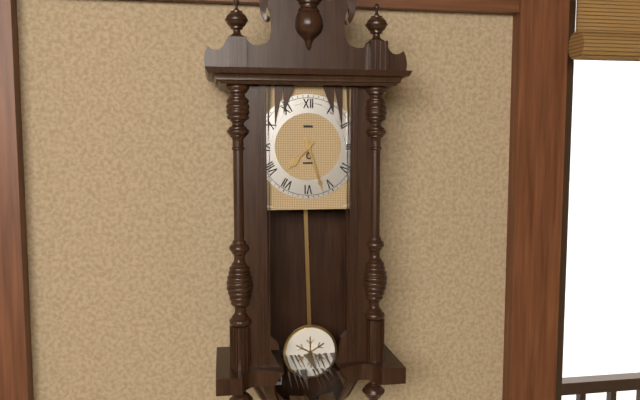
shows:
7,27
